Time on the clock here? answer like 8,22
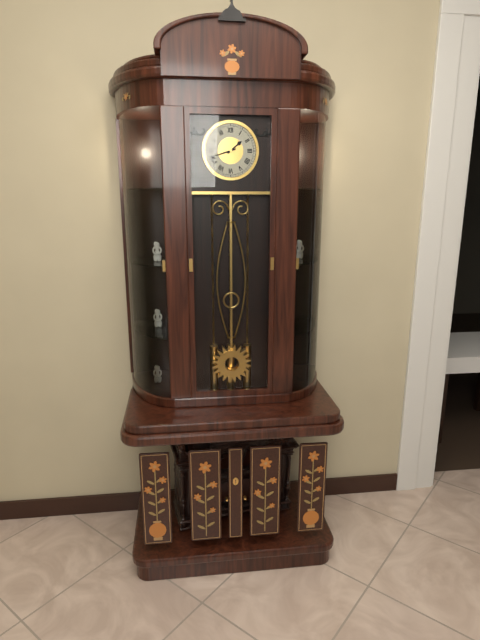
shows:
1,42
